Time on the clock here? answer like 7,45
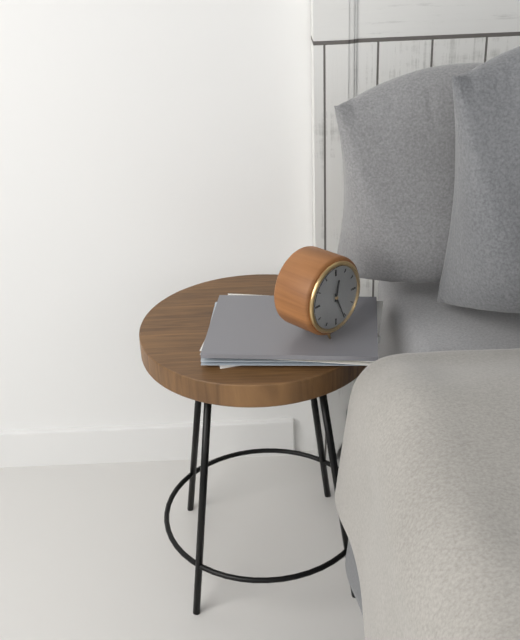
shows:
12,26
